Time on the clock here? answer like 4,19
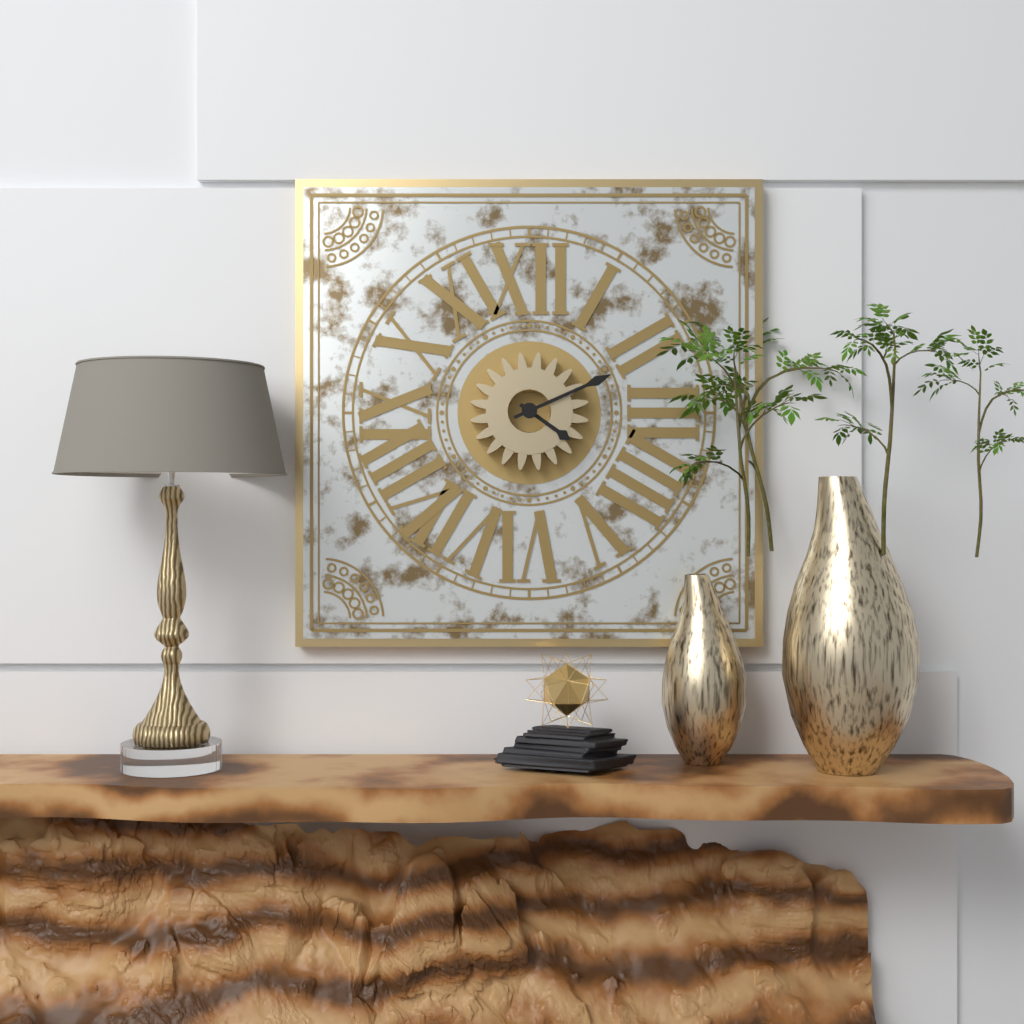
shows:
4,11
